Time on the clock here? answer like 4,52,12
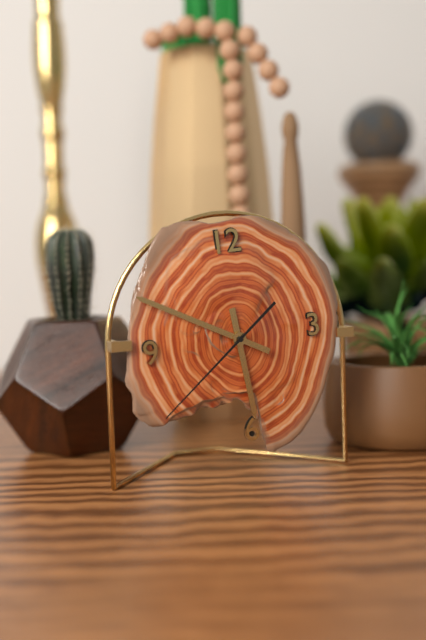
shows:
5,50,39
